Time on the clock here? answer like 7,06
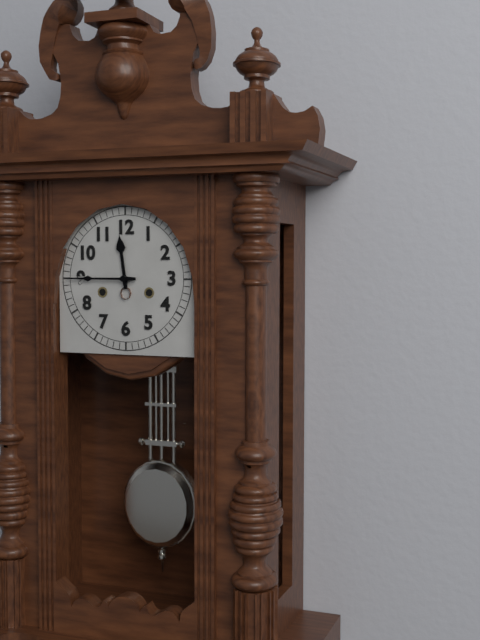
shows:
11,45
